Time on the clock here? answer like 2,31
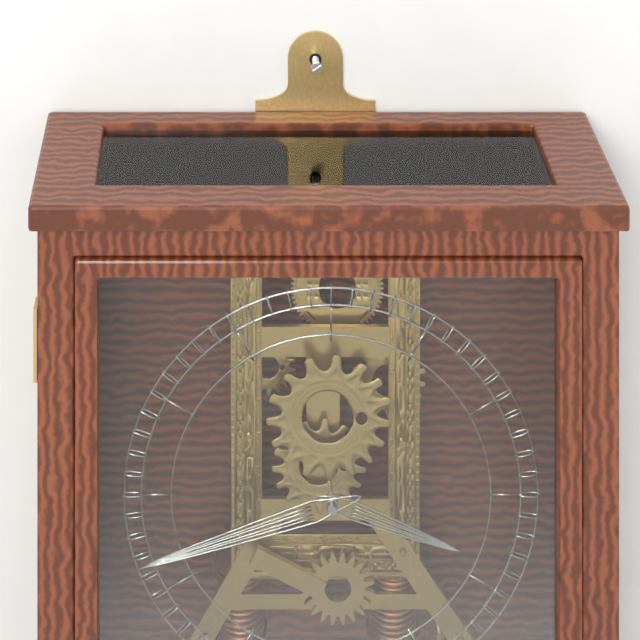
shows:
3,42
